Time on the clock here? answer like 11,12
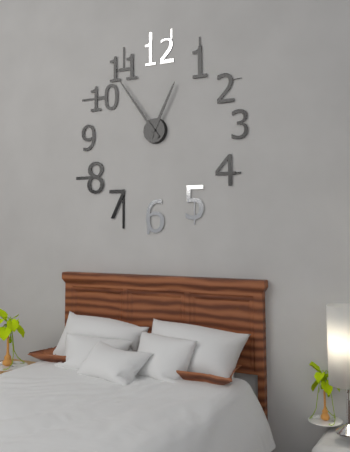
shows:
12,54
